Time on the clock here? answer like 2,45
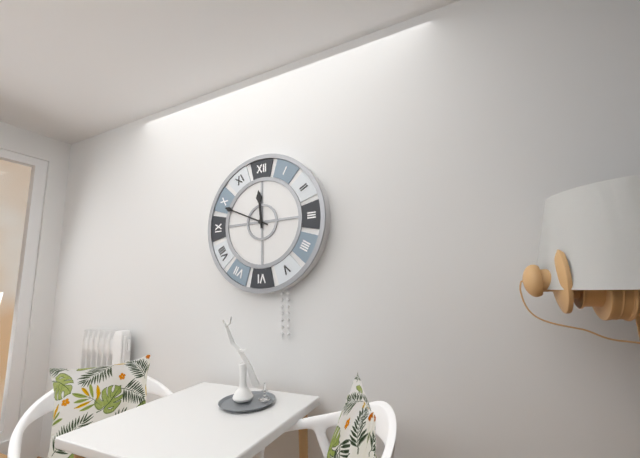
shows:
11,49
